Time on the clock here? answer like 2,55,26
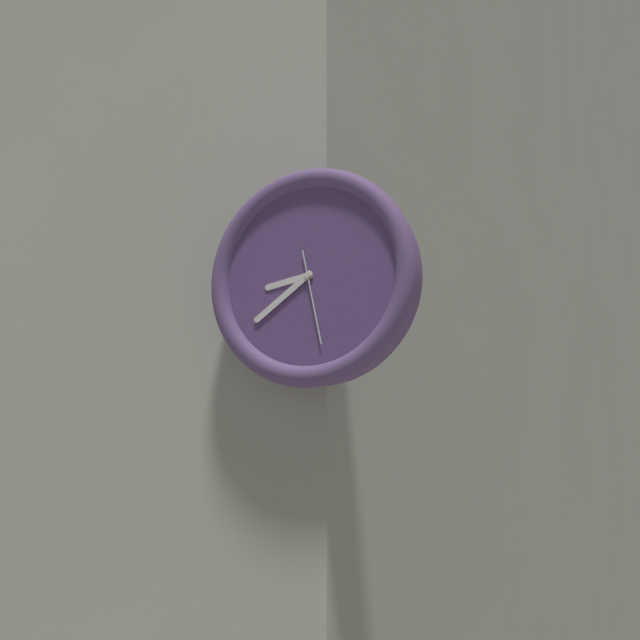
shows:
8,39,28
